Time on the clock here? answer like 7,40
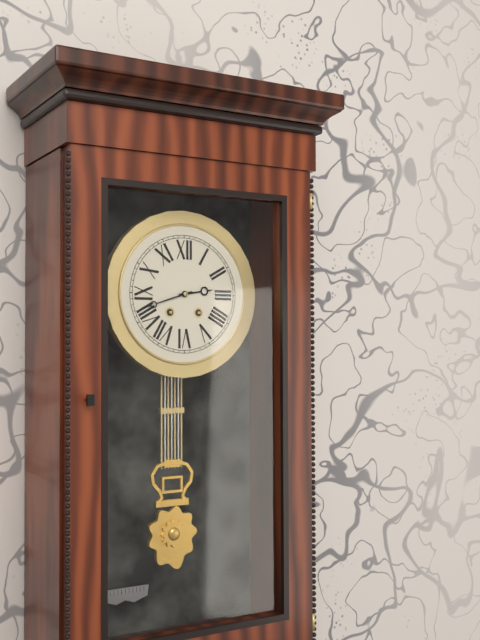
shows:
2,42
